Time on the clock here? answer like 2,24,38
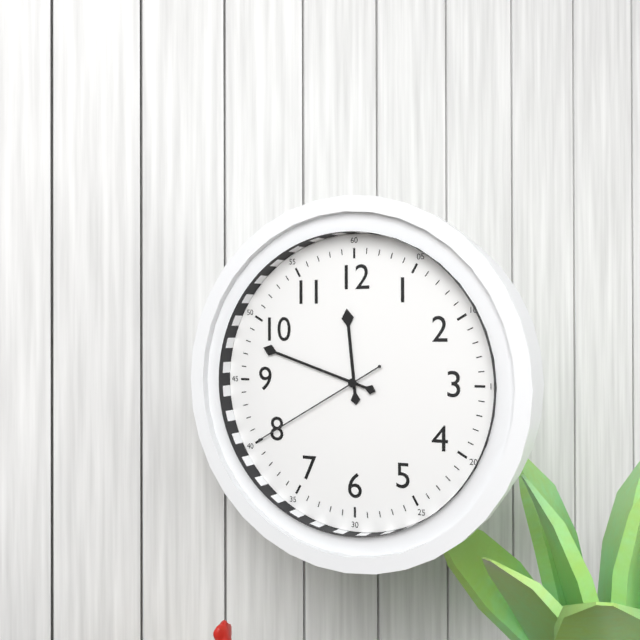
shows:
11,48,40
